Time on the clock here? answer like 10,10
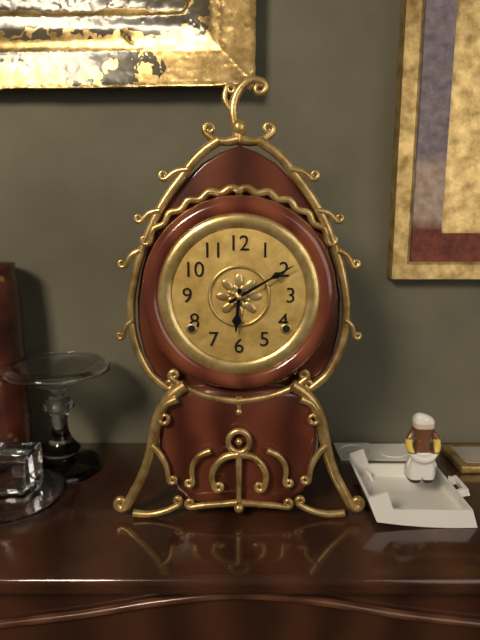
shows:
6,10
